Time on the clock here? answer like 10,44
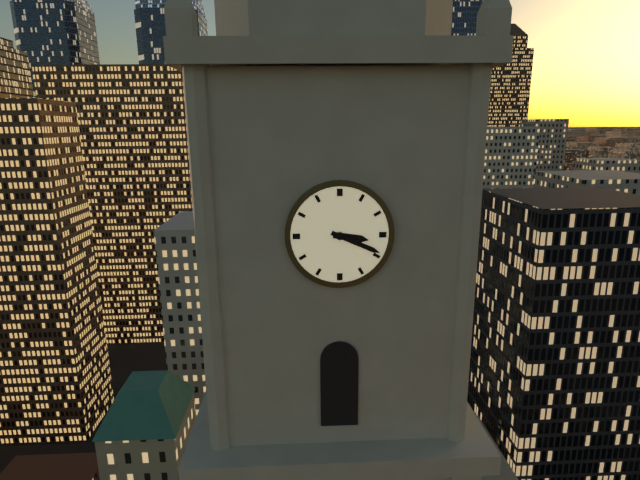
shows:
3,19
